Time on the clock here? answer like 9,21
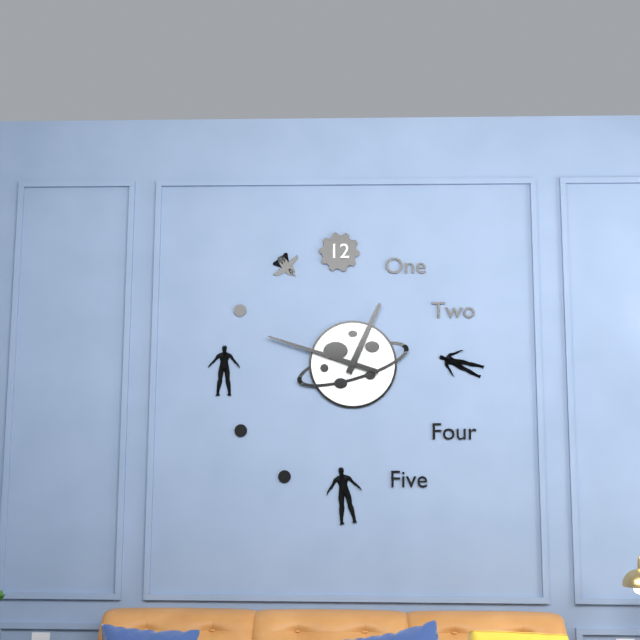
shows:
12,48
